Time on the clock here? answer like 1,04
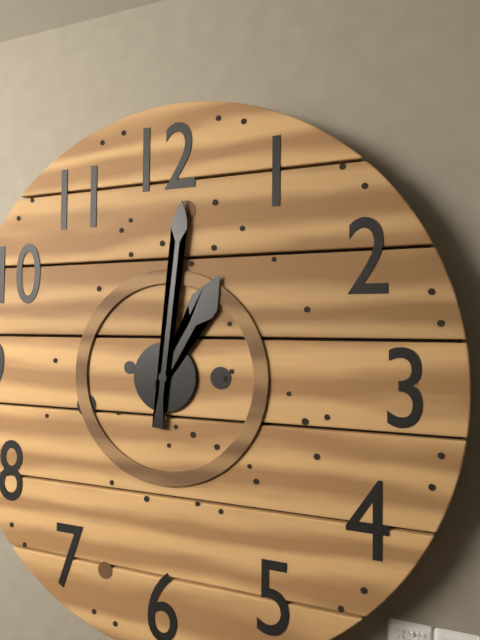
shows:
1,01
